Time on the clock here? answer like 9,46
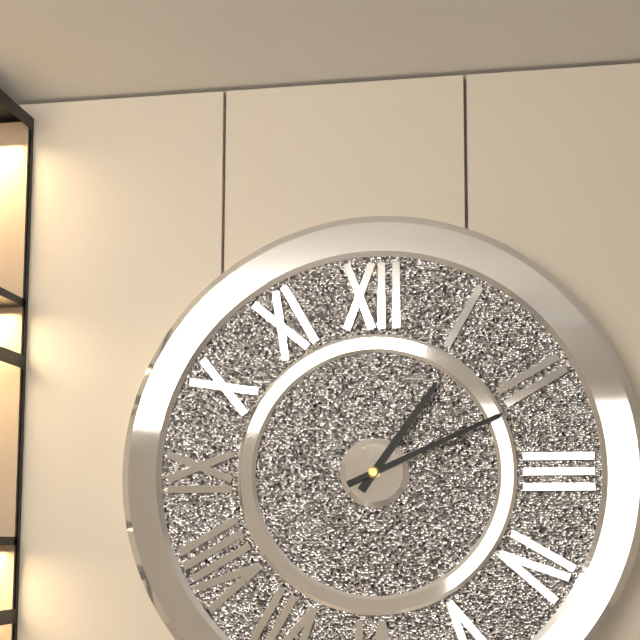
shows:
1,11
